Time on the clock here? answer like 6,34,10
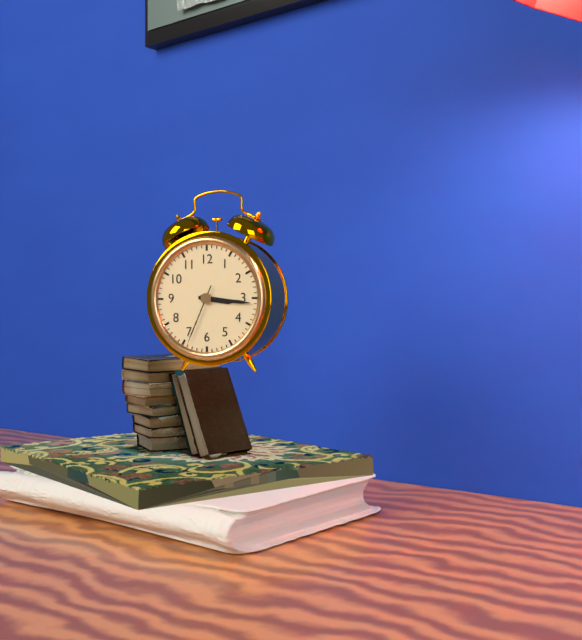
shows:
3,16,34
